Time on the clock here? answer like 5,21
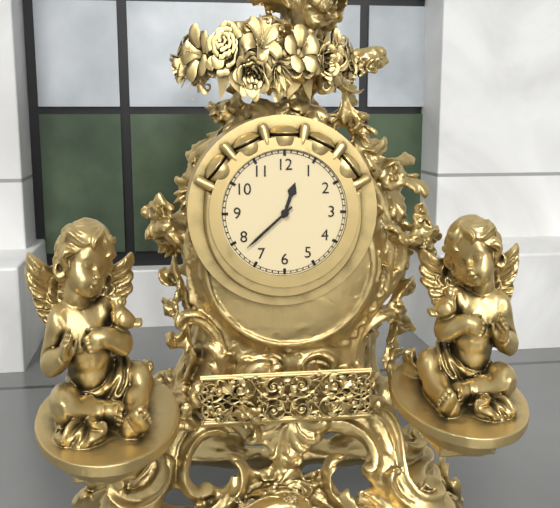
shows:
12,38
